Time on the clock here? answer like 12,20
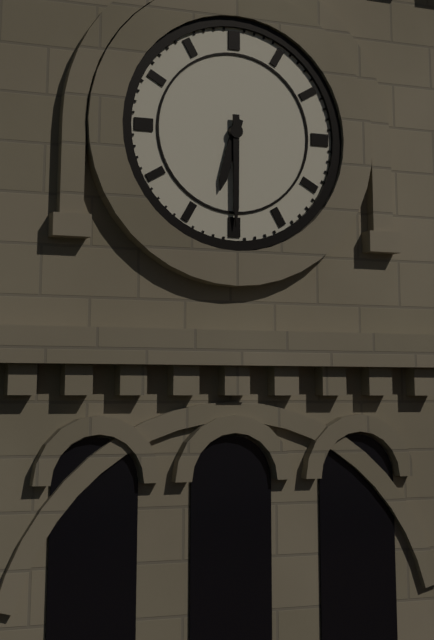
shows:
6,30
